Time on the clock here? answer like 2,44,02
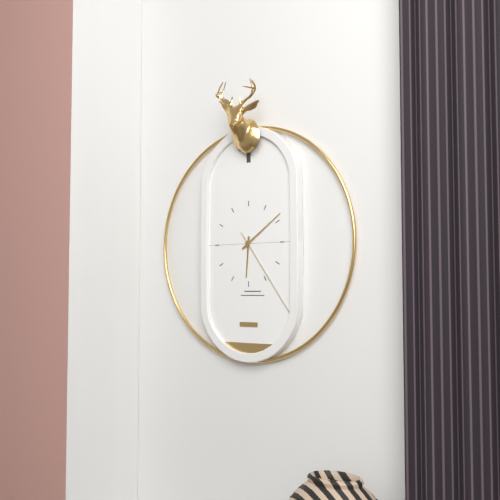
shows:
6,09,24
